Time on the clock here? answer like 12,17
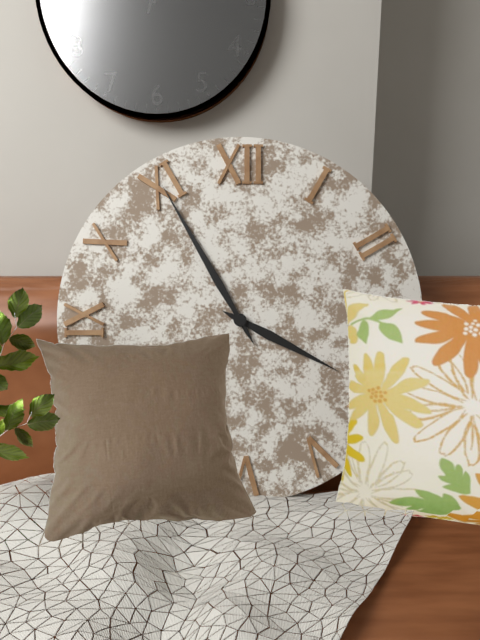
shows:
3,55
